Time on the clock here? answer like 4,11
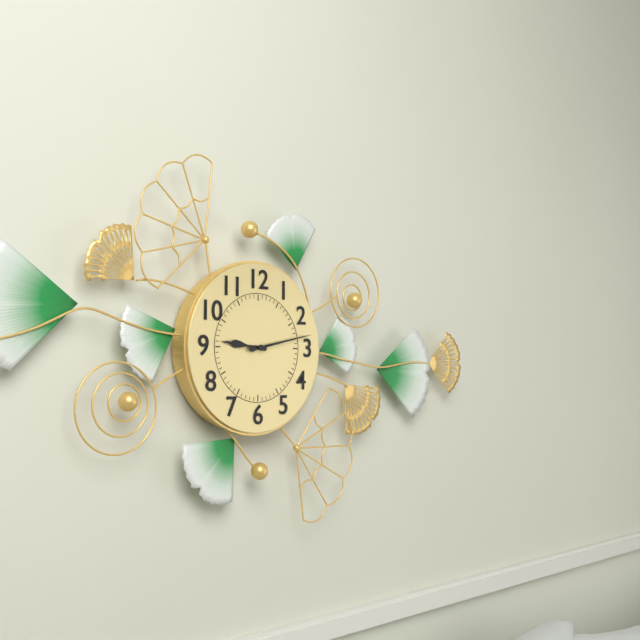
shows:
9,13
